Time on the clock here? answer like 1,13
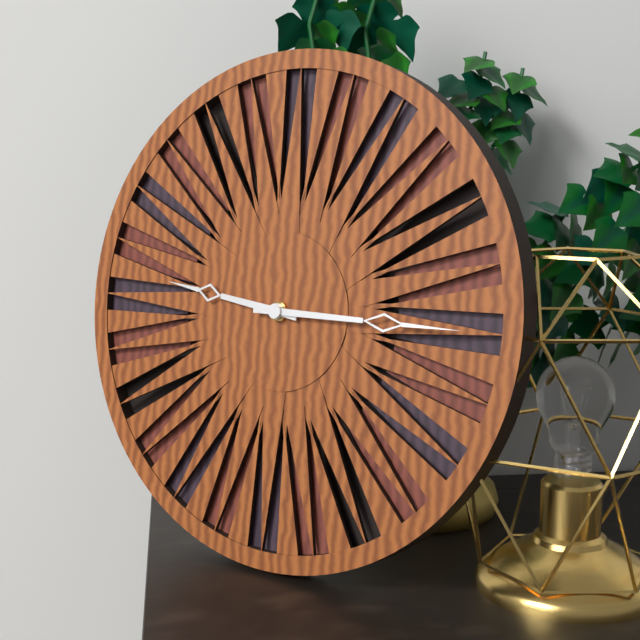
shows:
9,15
